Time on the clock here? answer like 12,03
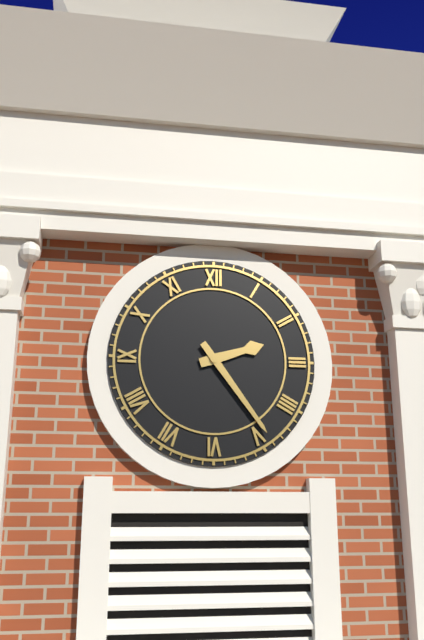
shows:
2,24
